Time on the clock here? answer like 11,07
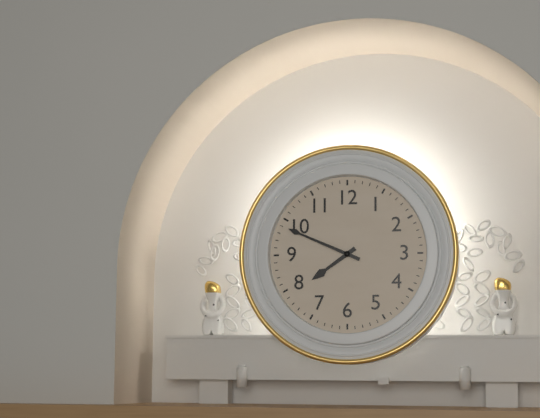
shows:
7,49
